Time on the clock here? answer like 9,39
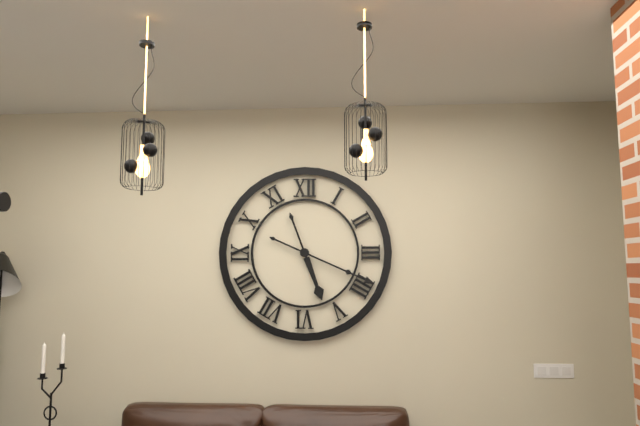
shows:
5,19
